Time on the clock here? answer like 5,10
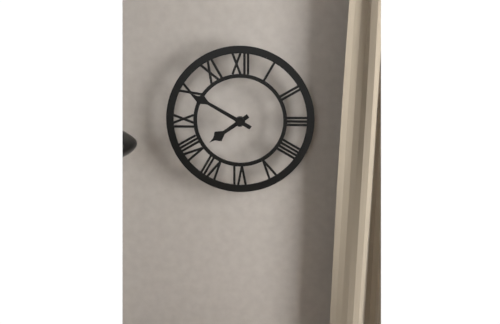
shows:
7,50
